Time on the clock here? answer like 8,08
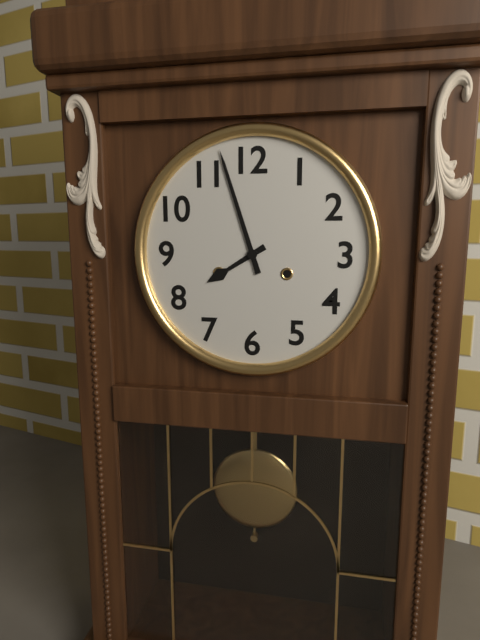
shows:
7,57
